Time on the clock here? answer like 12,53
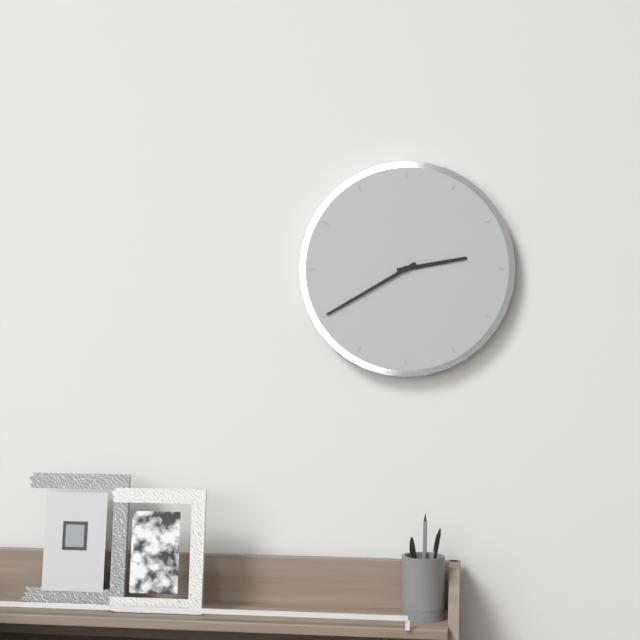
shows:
2,40
